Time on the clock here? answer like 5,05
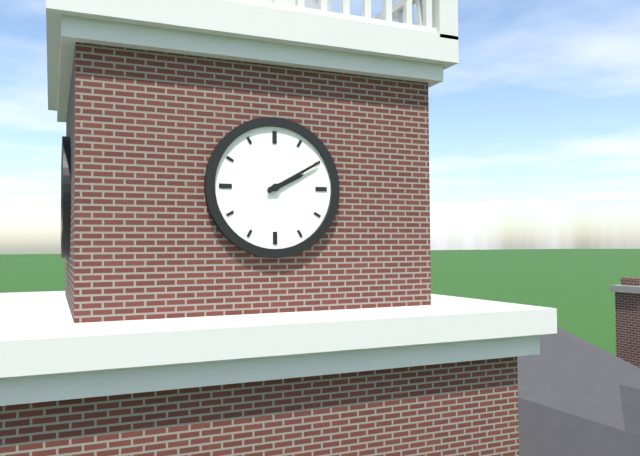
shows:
2,10
